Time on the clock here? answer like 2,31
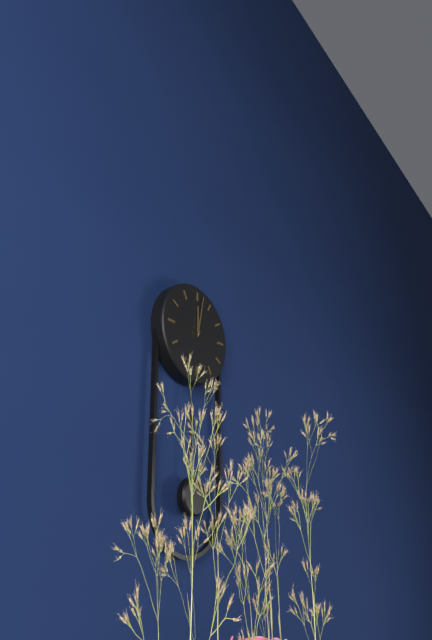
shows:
12,02
